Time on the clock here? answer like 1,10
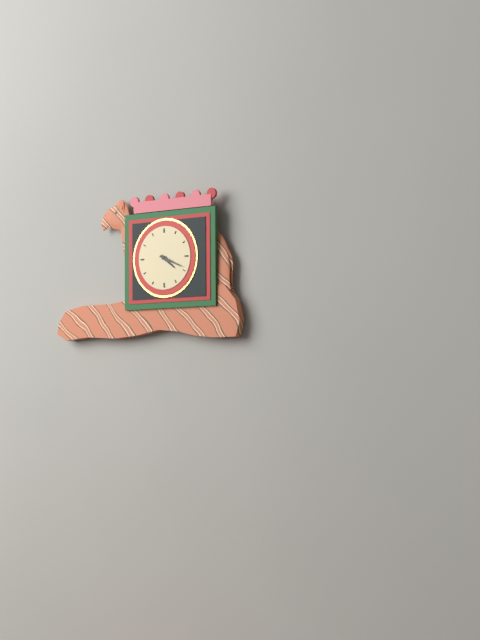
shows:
4,19
